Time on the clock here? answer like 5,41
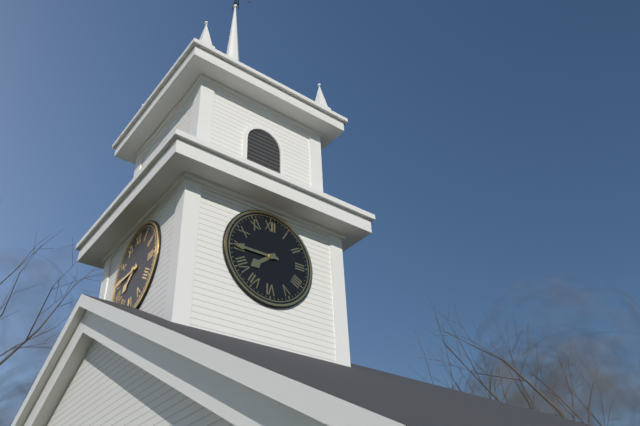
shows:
7,45
